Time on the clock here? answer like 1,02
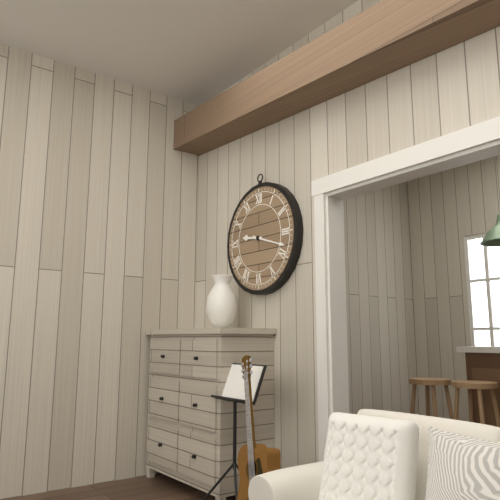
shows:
9,18
